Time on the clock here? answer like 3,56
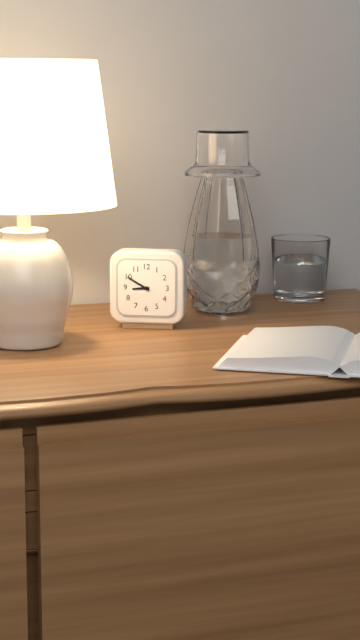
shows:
8,50
